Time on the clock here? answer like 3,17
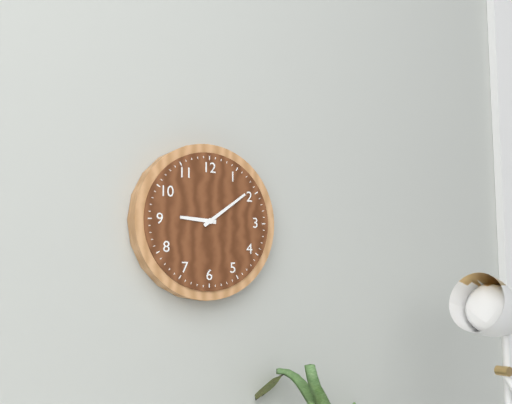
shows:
9,09
